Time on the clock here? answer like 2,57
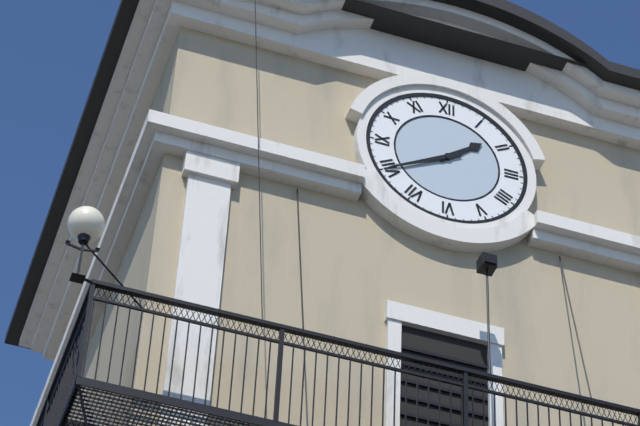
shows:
1,40
